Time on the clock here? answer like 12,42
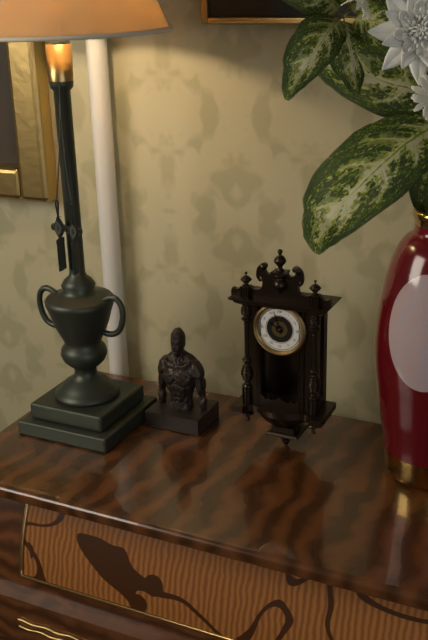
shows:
9,57
